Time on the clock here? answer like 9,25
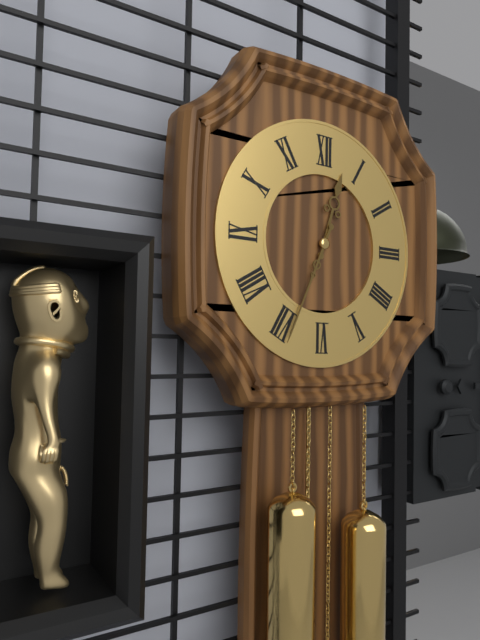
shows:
12,34
